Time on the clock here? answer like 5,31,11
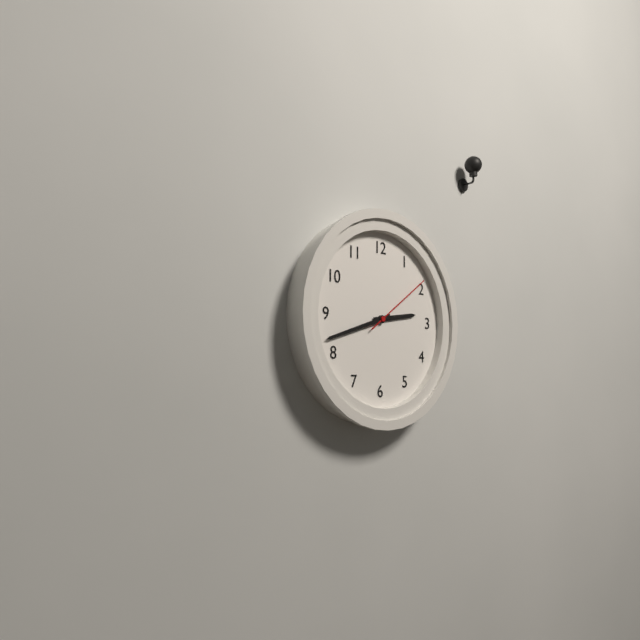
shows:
2,42,09
